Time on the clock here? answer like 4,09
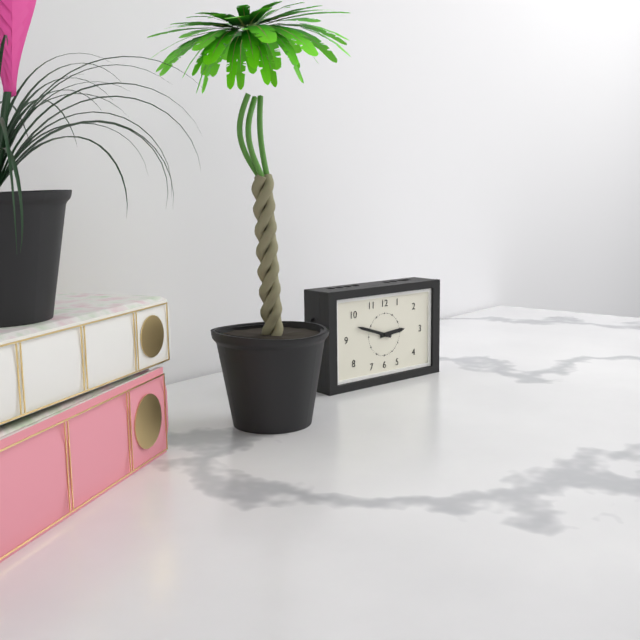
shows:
2,48
